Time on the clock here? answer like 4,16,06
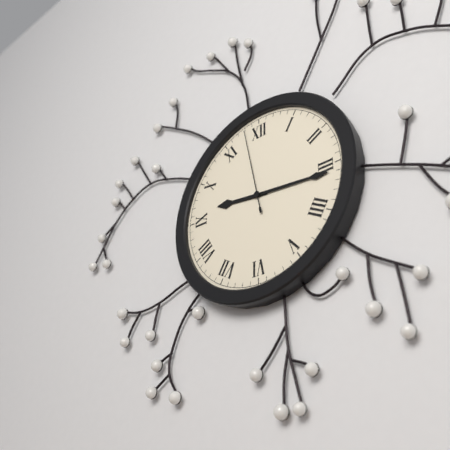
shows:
9,16,58
